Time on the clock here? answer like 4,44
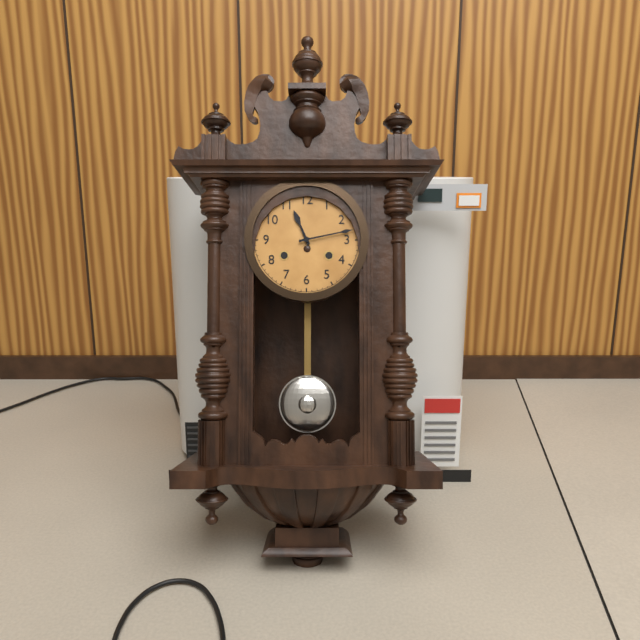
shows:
11,13
